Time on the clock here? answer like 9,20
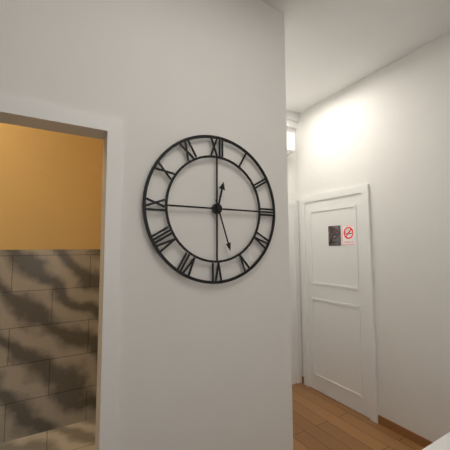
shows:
12,27
